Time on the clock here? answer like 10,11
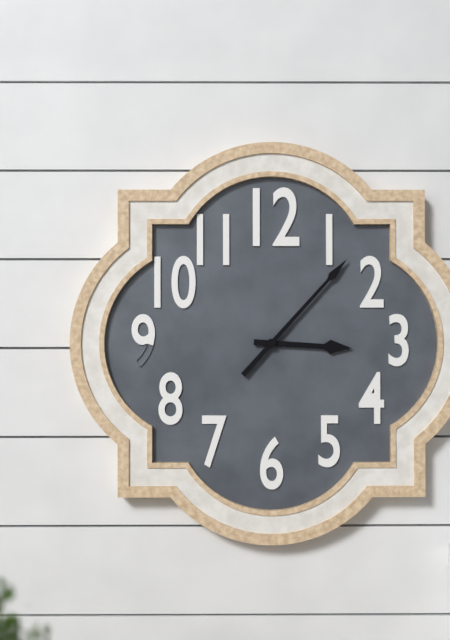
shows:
3,07
